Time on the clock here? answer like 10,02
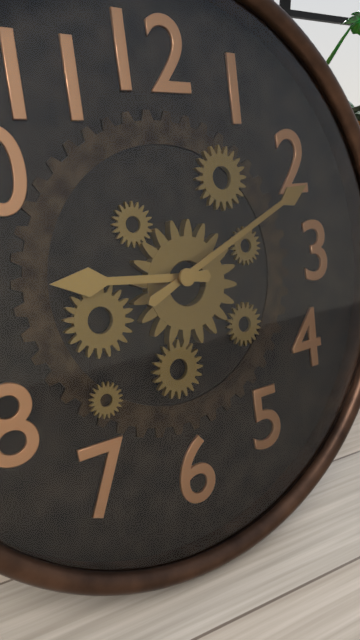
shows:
9,11
